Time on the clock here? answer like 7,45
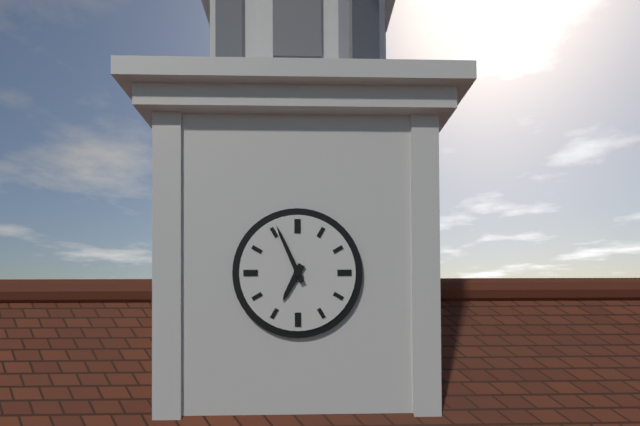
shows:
6,56
